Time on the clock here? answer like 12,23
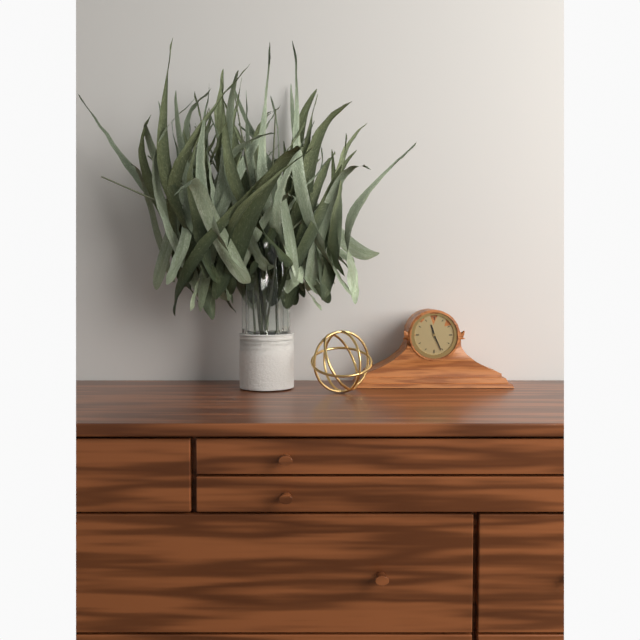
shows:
11,26
